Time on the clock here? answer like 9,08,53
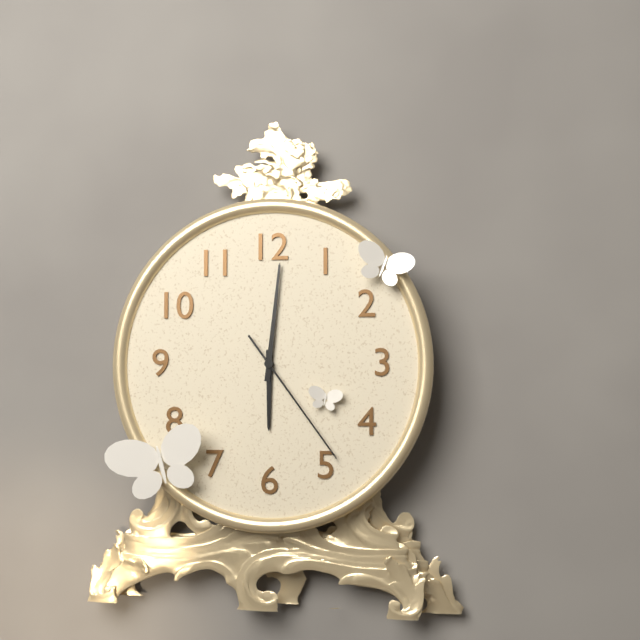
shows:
6,01,24
